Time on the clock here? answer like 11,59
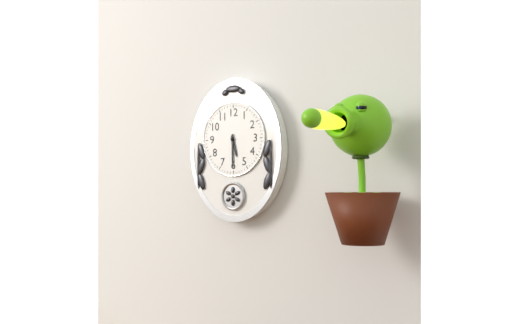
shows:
5,30
